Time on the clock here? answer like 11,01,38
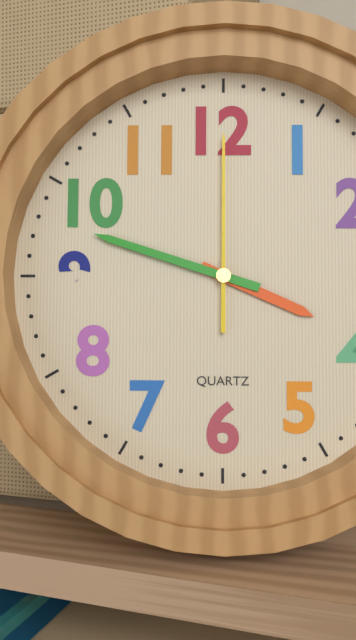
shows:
3,48,00
